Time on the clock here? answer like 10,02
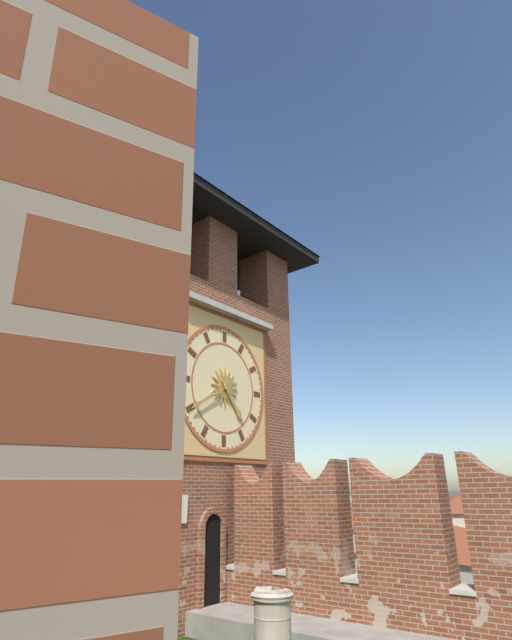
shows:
4,40
